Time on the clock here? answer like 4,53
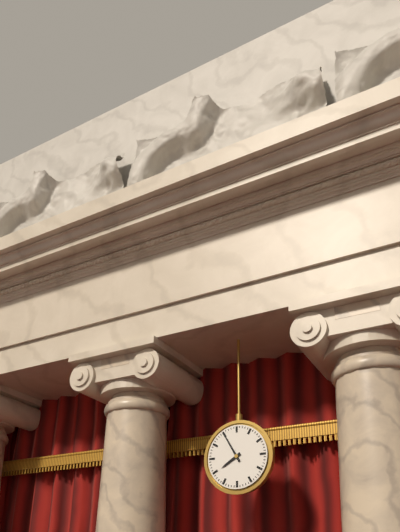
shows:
7,55
